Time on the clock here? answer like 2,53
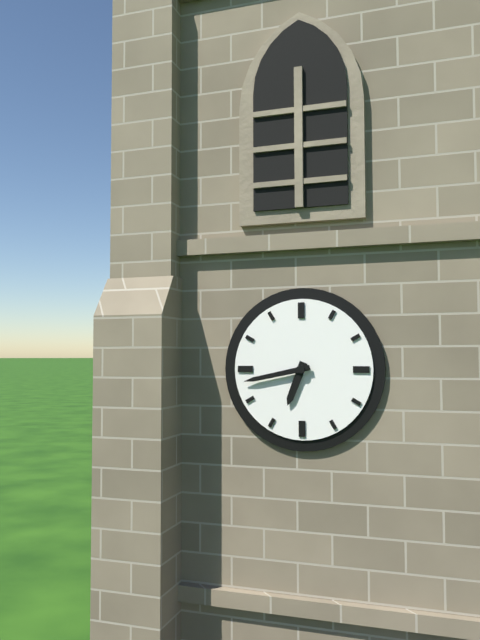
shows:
6,43
